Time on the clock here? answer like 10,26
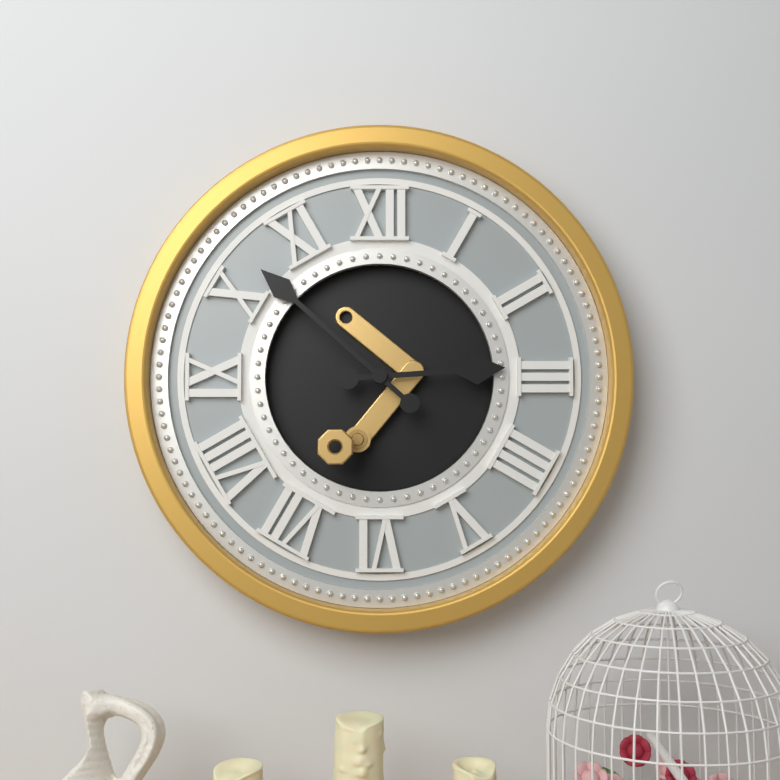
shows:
2,52
